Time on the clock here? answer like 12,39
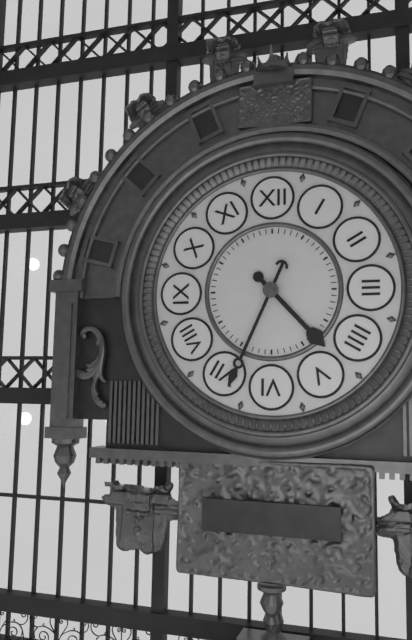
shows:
4,34
